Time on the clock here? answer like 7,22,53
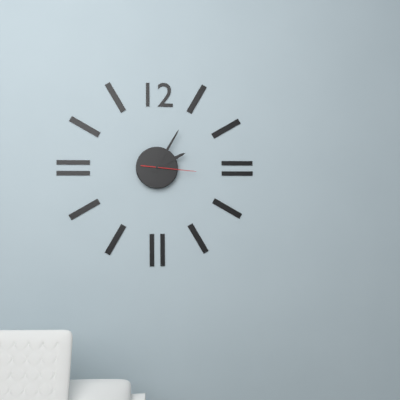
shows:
2,05,16
